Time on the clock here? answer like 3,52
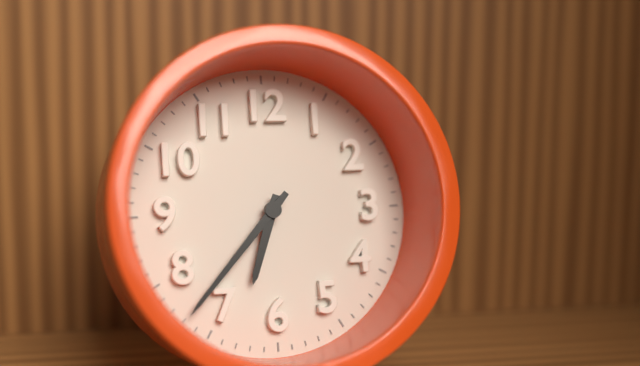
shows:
6,37
